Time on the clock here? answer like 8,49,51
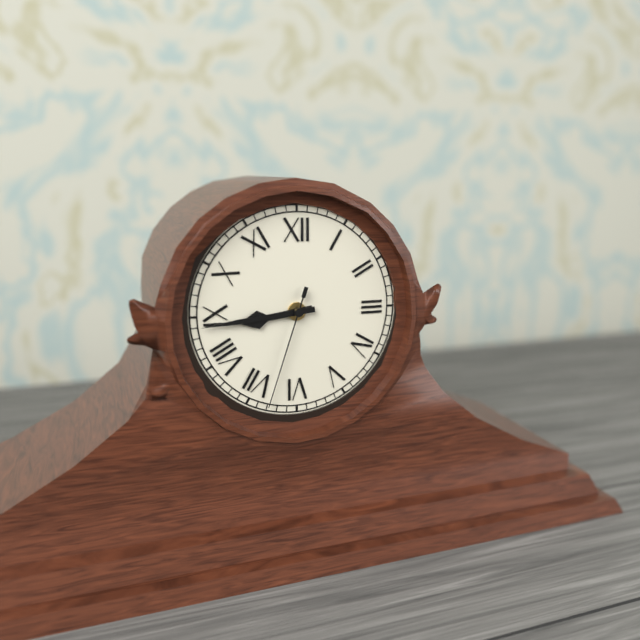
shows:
8,44,33
